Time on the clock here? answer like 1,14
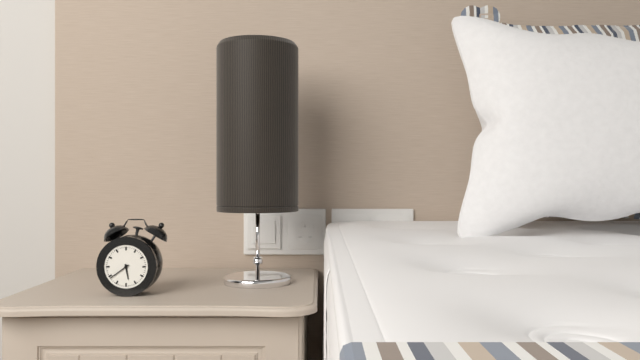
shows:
5,39
